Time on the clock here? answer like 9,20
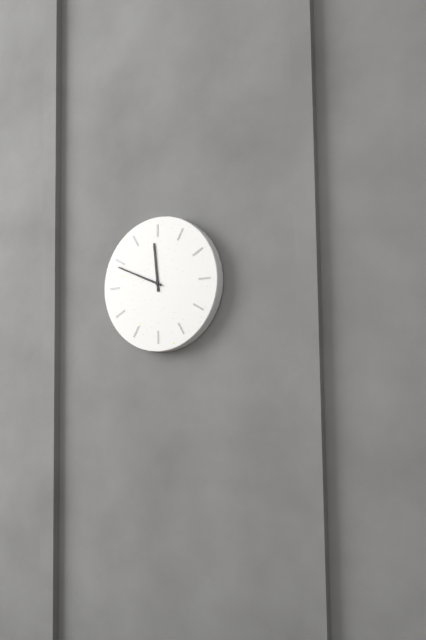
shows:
11,49
